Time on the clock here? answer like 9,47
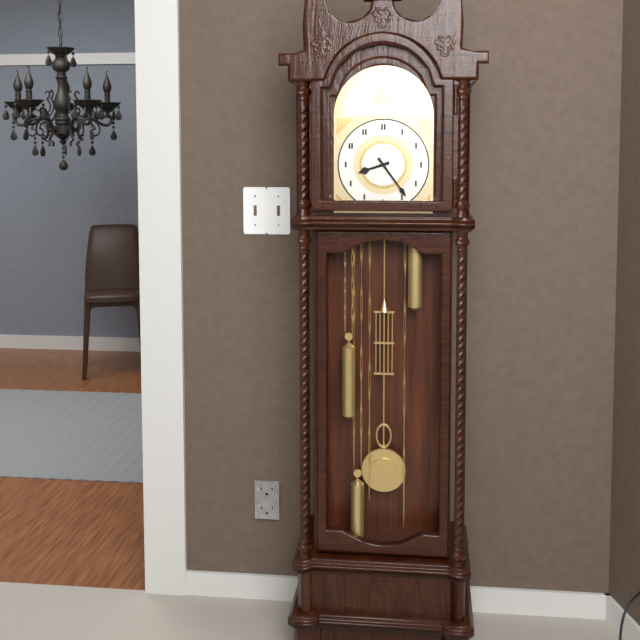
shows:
8,24
